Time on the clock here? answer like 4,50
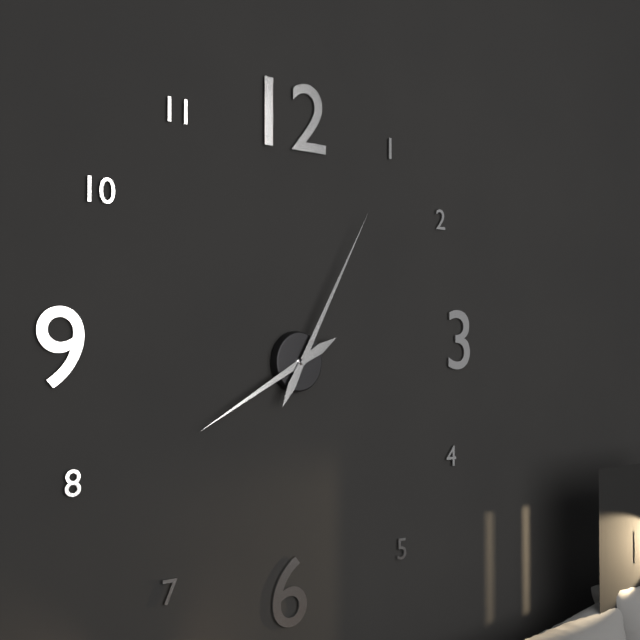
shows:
8,05
